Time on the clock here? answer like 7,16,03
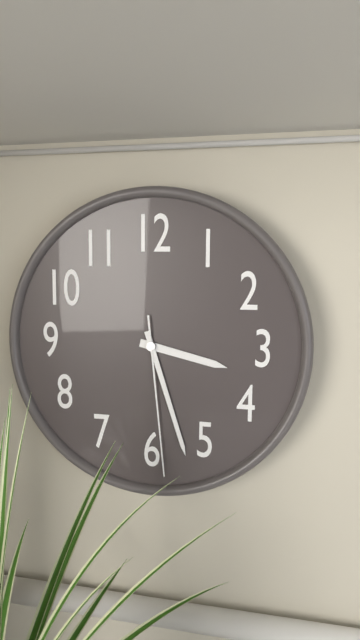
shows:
3,27,29
